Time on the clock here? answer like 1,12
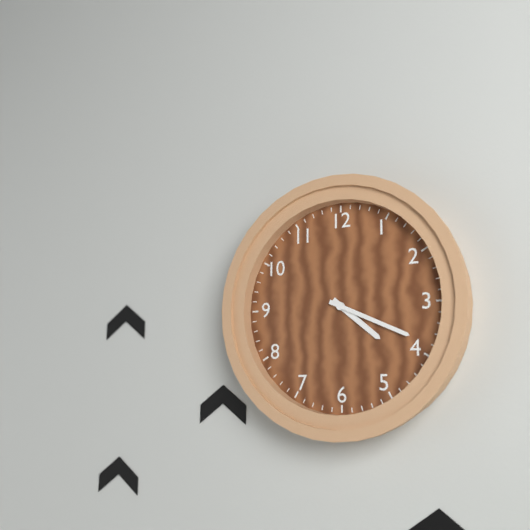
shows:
4,19
